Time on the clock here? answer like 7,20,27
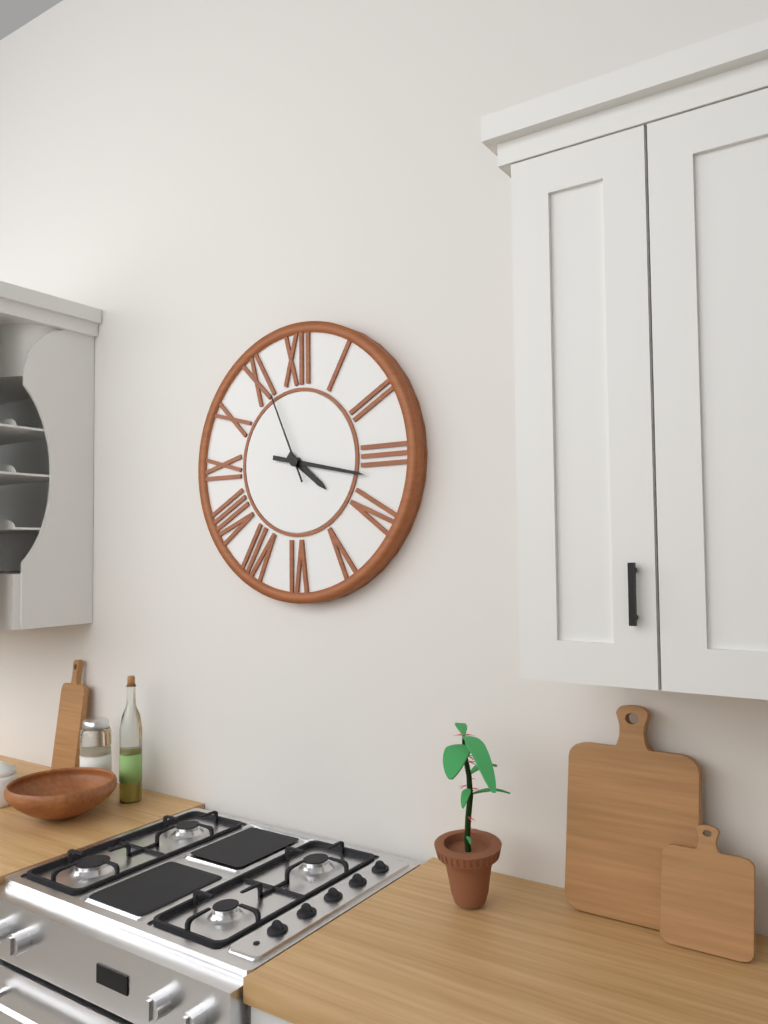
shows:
4,17,56
